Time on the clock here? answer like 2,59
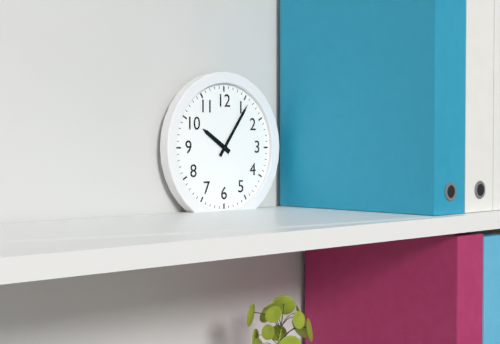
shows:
10,06
